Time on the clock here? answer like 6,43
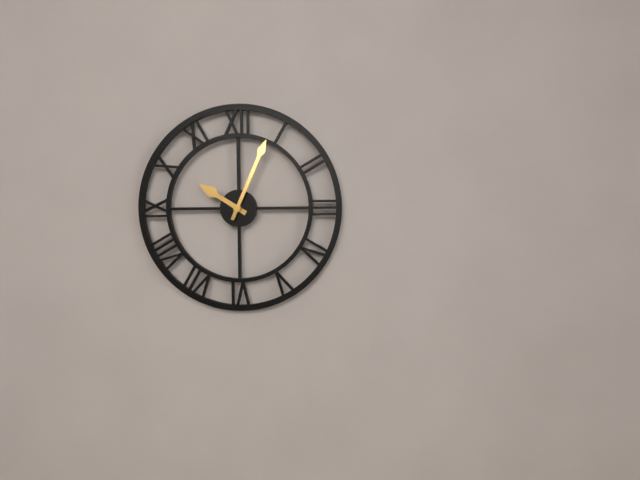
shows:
10,04
